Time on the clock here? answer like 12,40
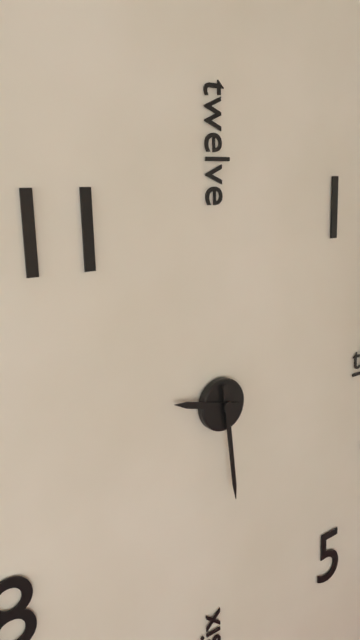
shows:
9,29
